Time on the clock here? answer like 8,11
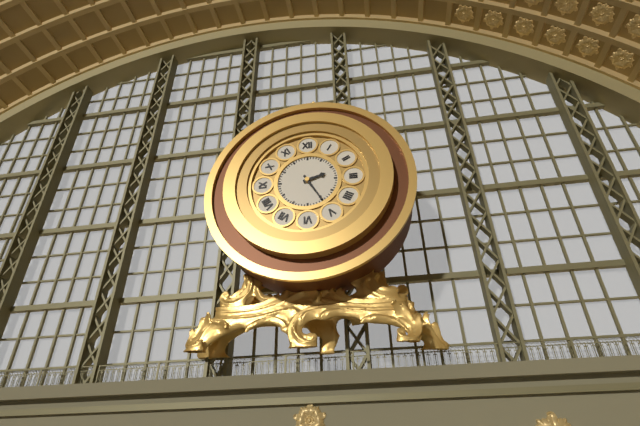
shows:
2,25
